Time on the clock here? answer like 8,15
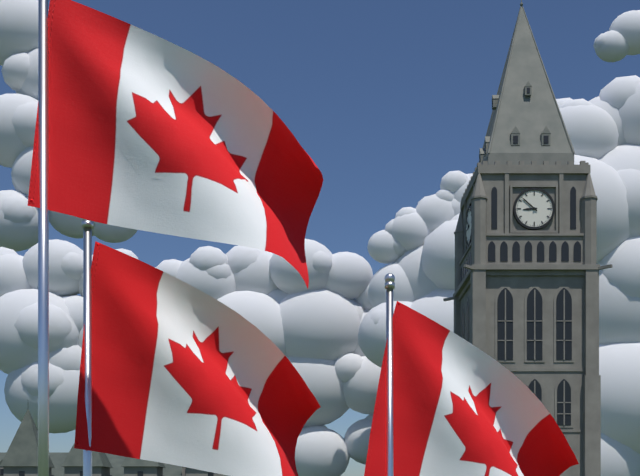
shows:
8,52
